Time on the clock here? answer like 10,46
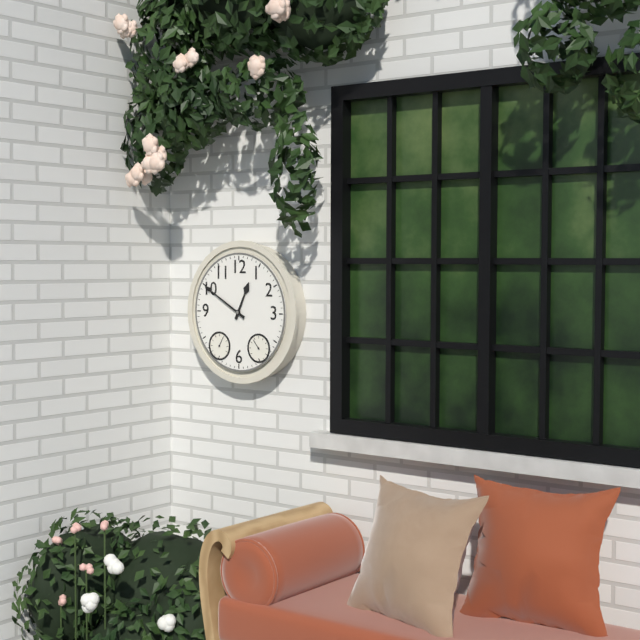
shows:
12,50
